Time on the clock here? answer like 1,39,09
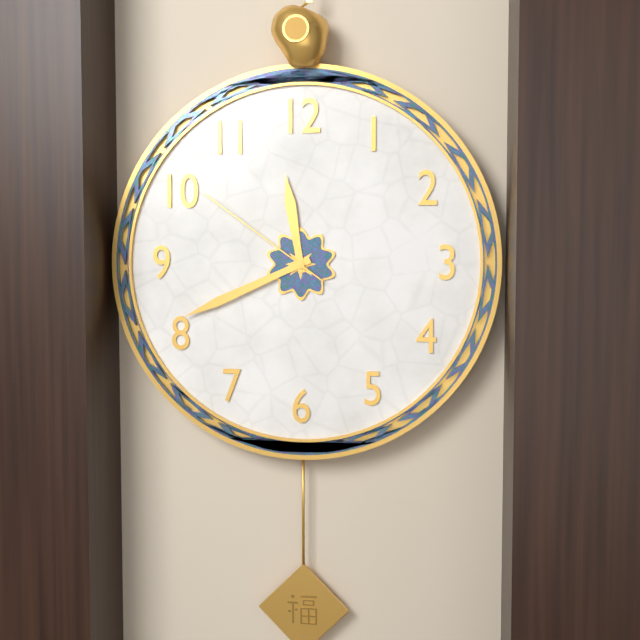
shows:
11,41,51
